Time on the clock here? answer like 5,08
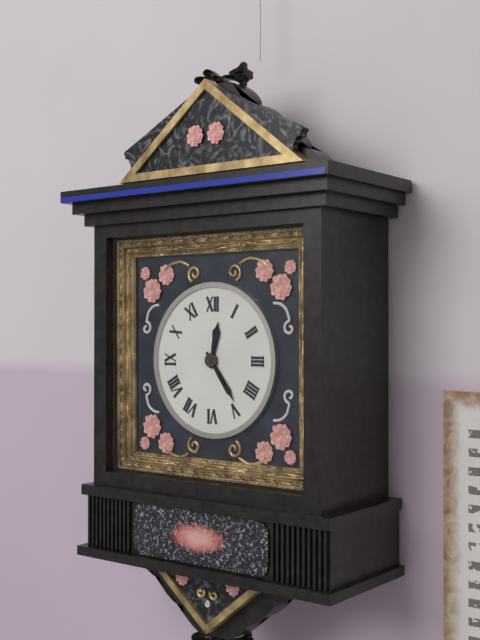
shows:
12,24
